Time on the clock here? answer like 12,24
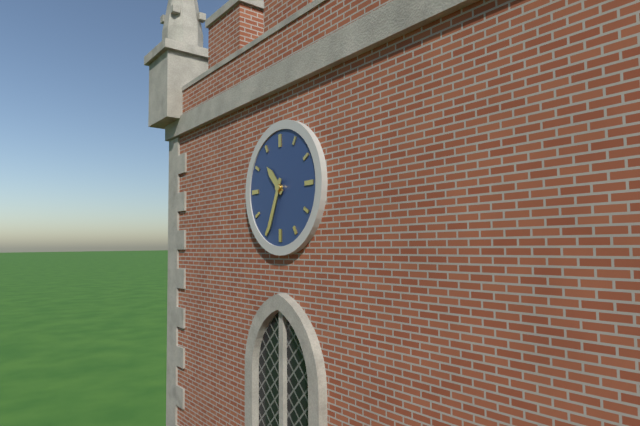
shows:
10,34
